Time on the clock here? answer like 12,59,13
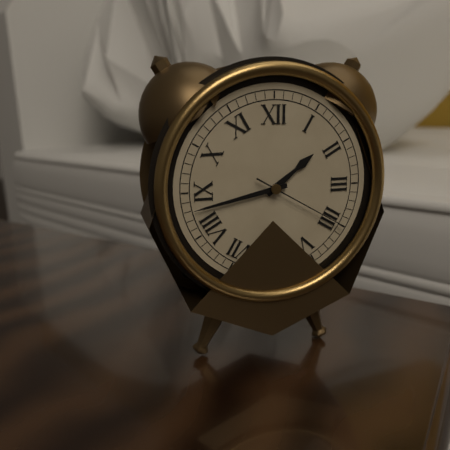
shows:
1,43,20
